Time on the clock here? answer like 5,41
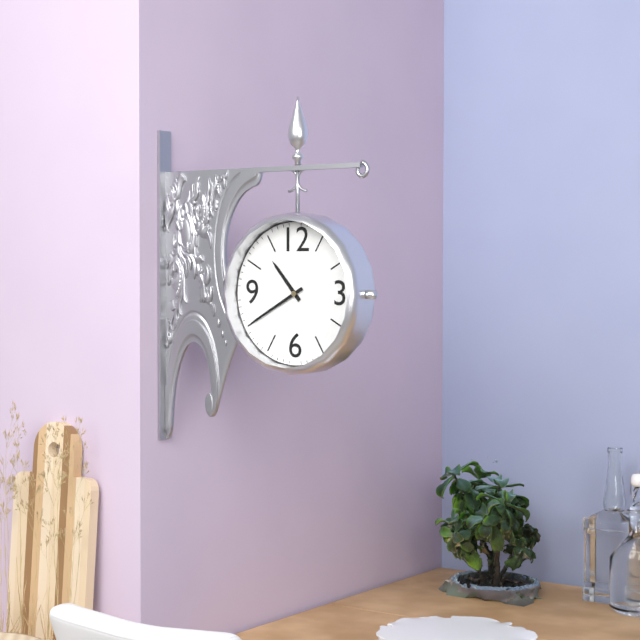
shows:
10,40
